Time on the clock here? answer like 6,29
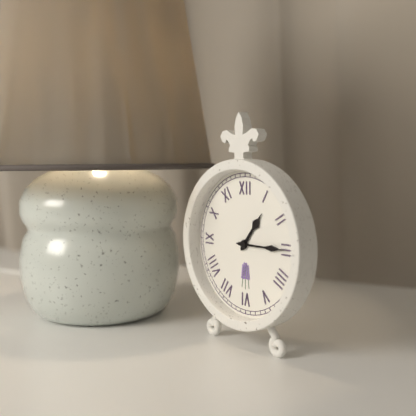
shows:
1,15
